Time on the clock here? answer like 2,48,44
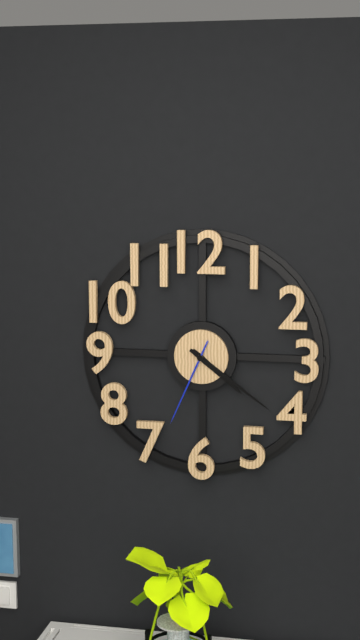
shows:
4,21,34
